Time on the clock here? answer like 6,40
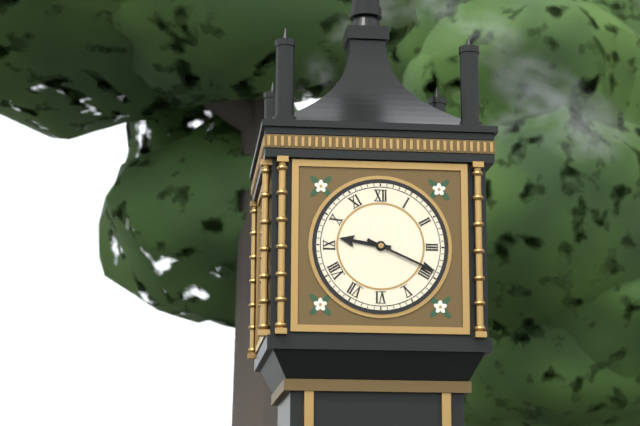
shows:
9,19
